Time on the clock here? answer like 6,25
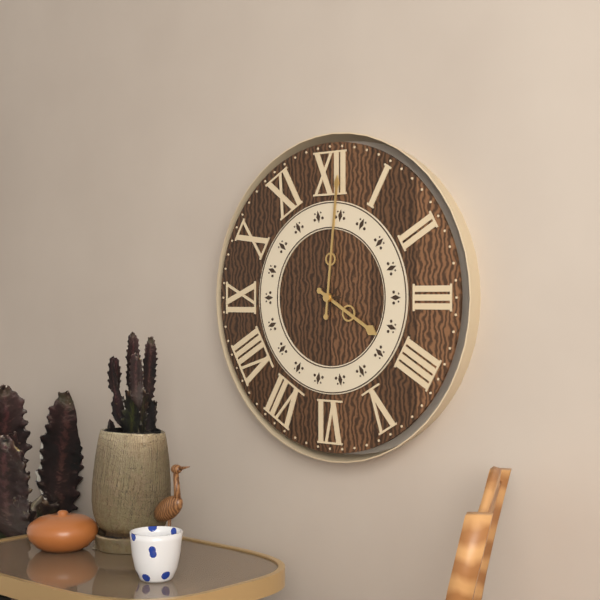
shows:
4,01
